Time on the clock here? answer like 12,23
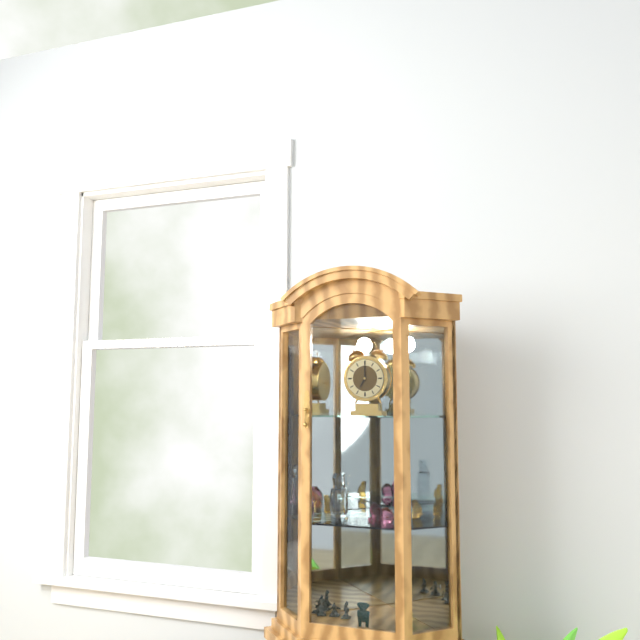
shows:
7,00
